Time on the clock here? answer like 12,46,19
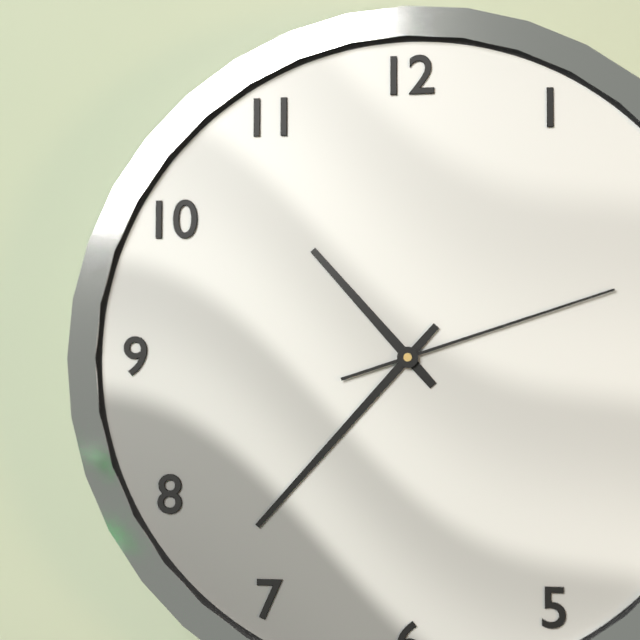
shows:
10,37,12
